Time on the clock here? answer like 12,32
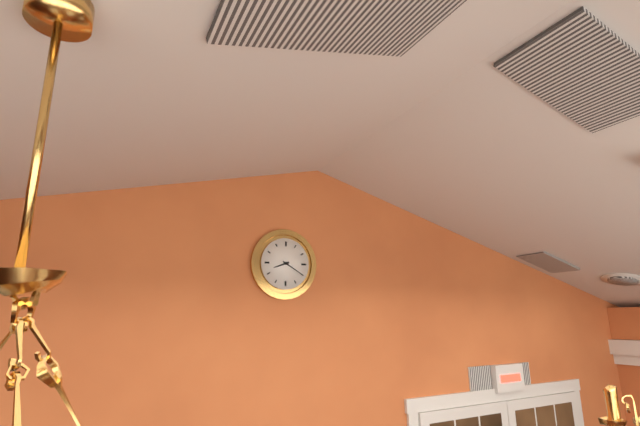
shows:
8,20
